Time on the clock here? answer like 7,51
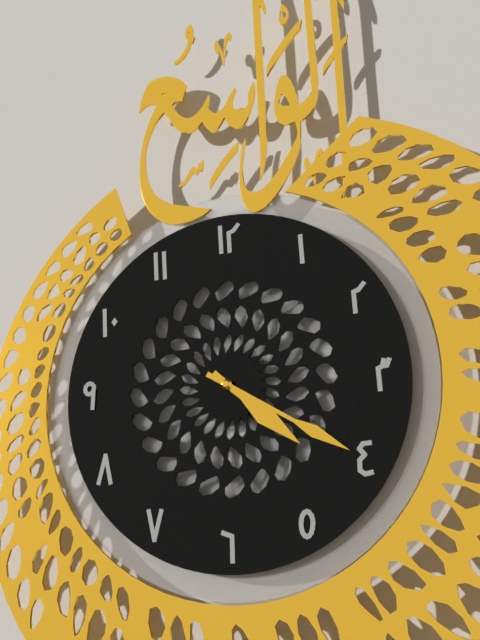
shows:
4,20
